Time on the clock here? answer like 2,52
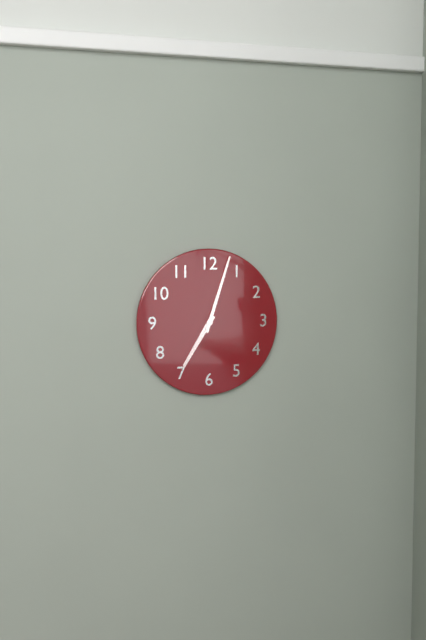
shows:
7,03
